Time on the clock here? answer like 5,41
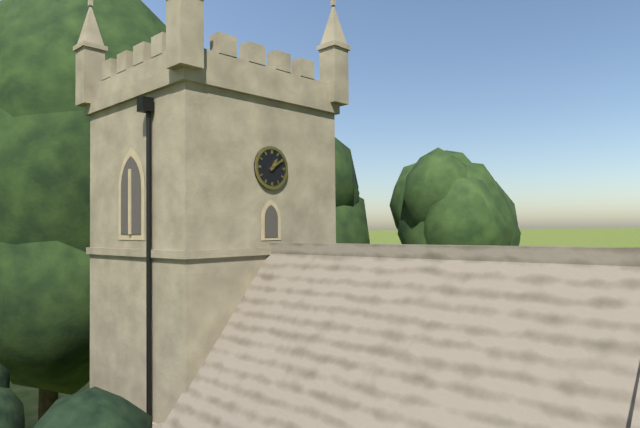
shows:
1,09
